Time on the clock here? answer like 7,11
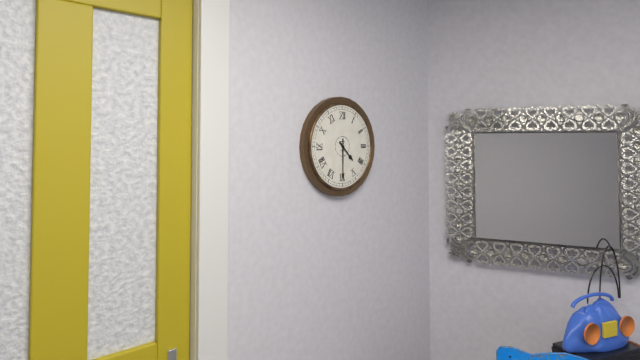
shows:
4,30
